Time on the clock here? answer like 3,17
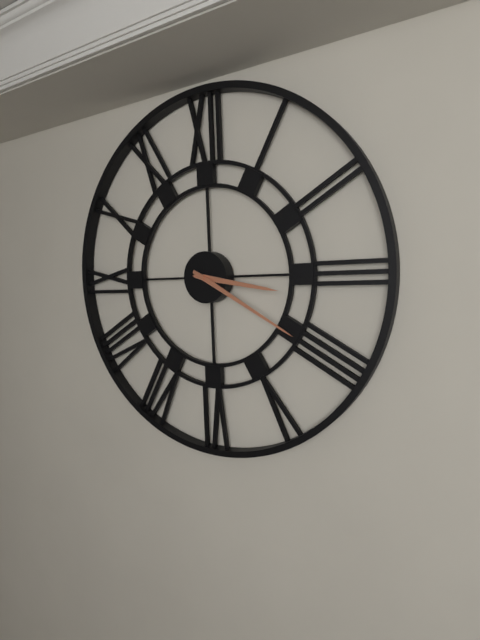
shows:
3,20
